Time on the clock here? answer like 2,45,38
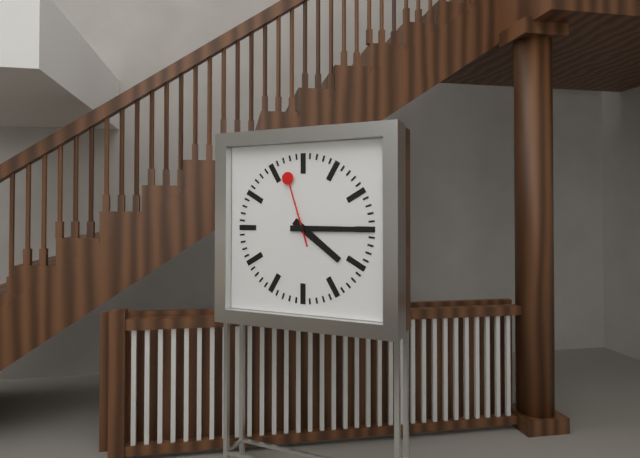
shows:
4,15,57
